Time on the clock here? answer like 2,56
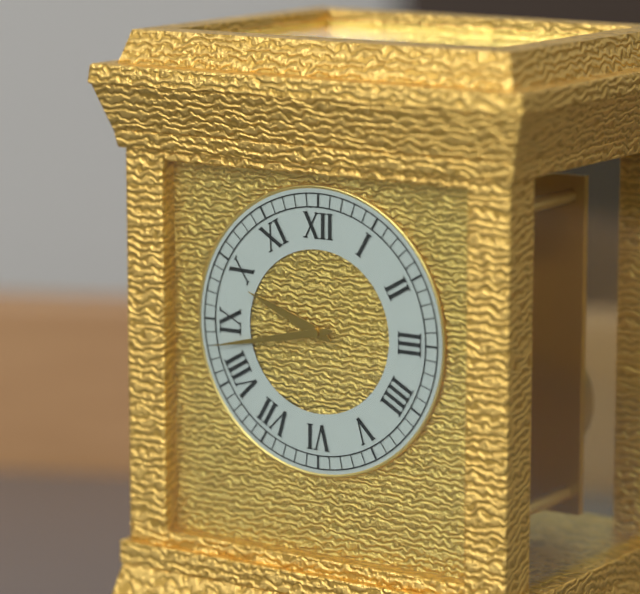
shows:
9,43
